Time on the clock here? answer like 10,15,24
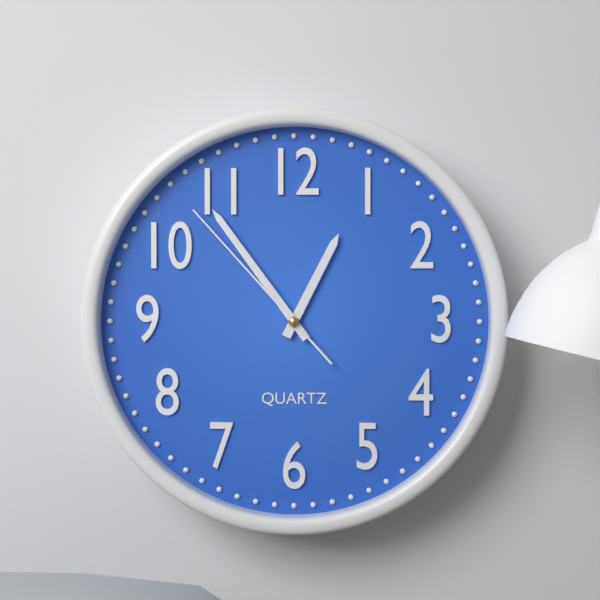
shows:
12,54,53
